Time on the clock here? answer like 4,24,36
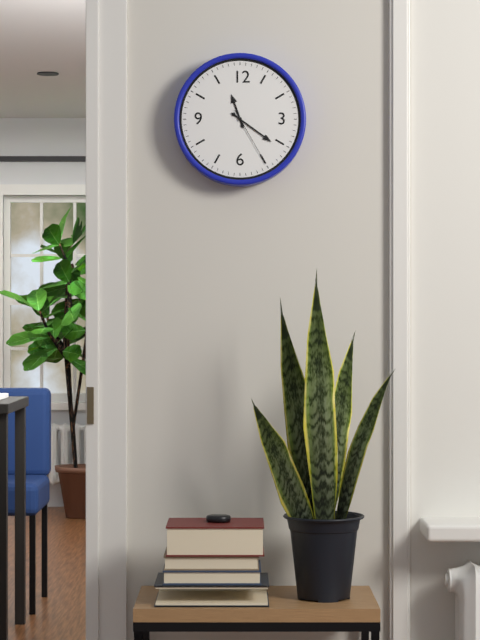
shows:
11,21,25
